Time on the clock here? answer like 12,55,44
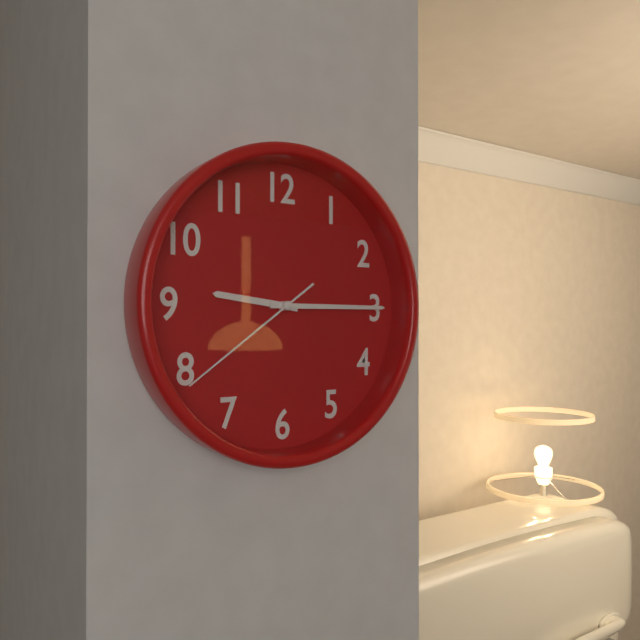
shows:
9,15,39
